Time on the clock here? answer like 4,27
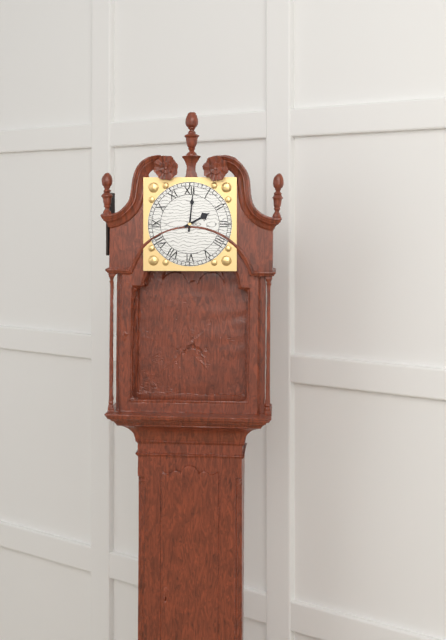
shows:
2,01
